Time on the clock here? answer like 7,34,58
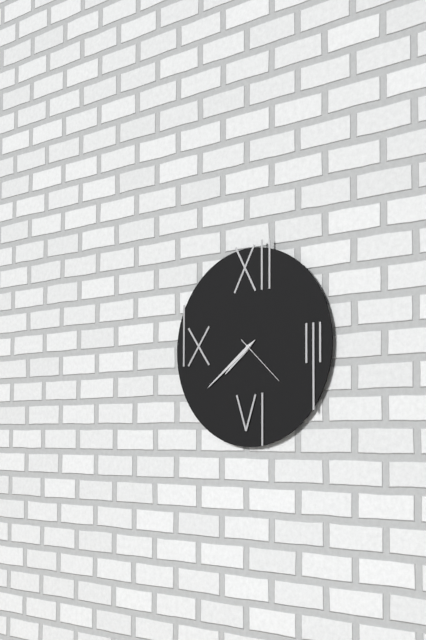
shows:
7,39,22
